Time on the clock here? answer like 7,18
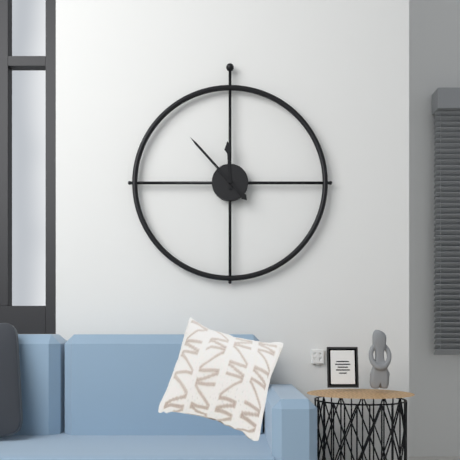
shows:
11,53
